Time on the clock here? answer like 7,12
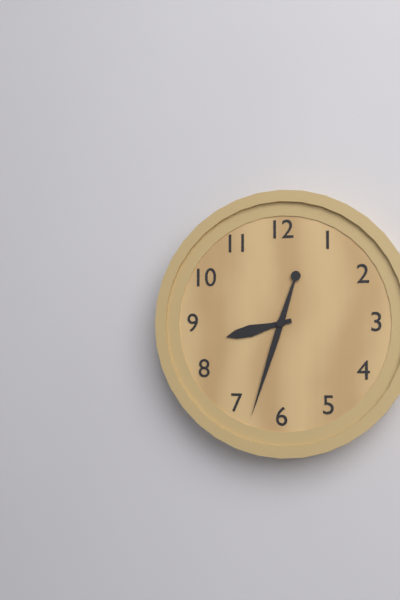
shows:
8,33
